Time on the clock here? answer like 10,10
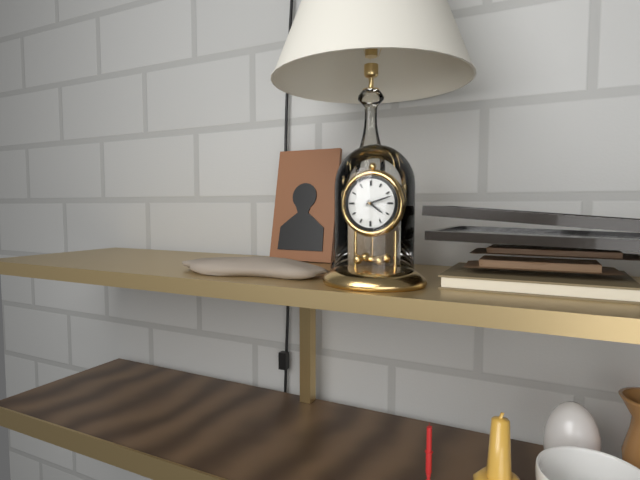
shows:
4,12
